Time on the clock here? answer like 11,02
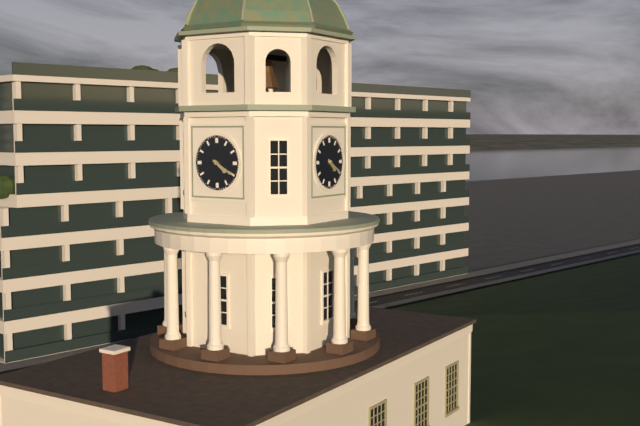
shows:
4,20
